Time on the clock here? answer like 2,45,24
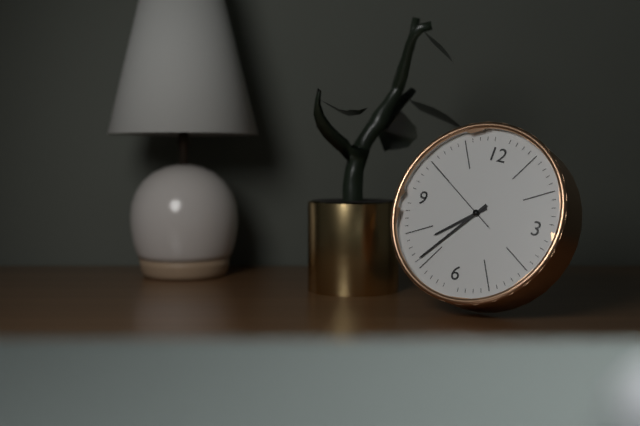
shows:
7,36,50
